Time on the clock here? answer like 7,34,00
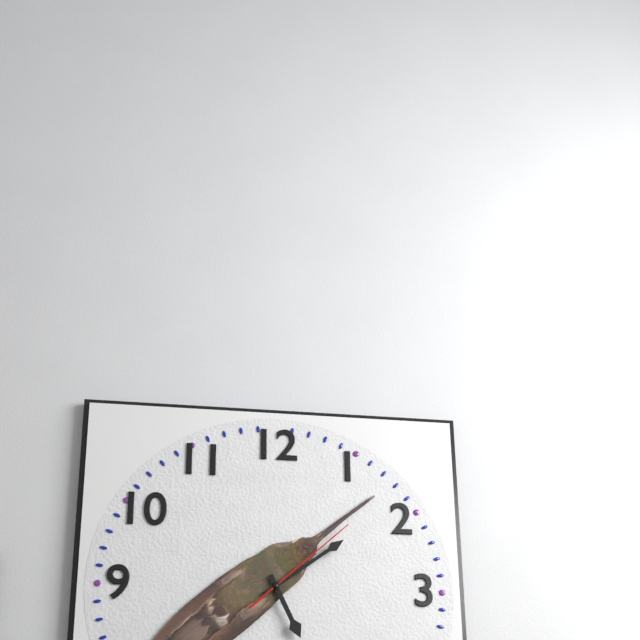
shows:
5,09,08
